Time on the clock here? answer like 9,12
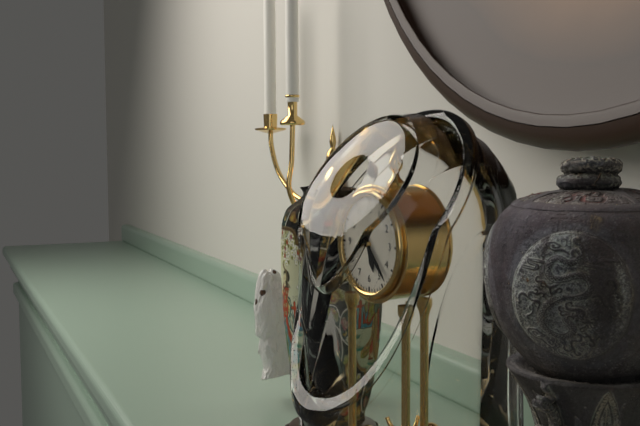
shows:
5,23
